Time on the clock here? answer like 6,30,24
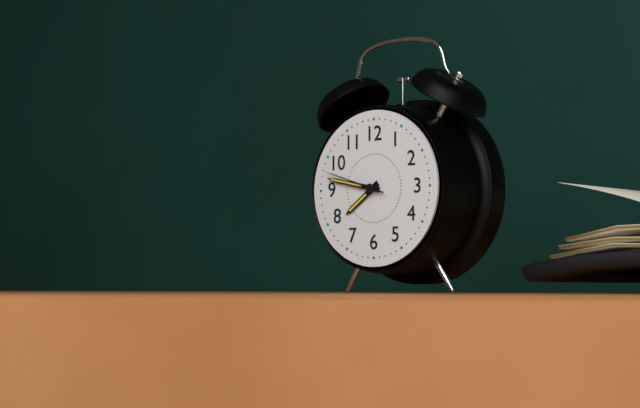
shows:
7,47,48
